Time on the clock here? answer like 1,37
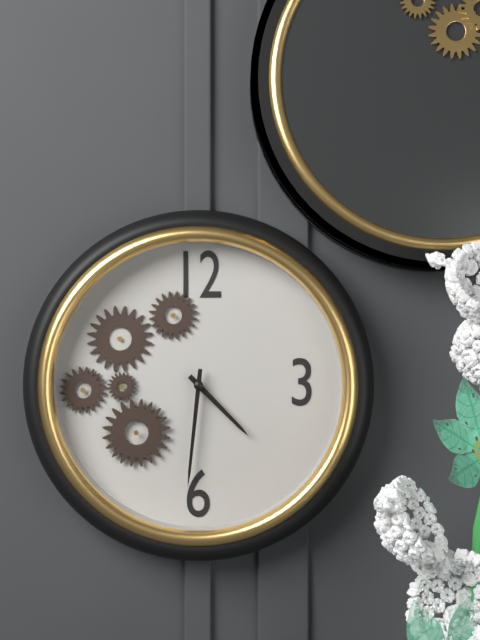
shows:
4,31
